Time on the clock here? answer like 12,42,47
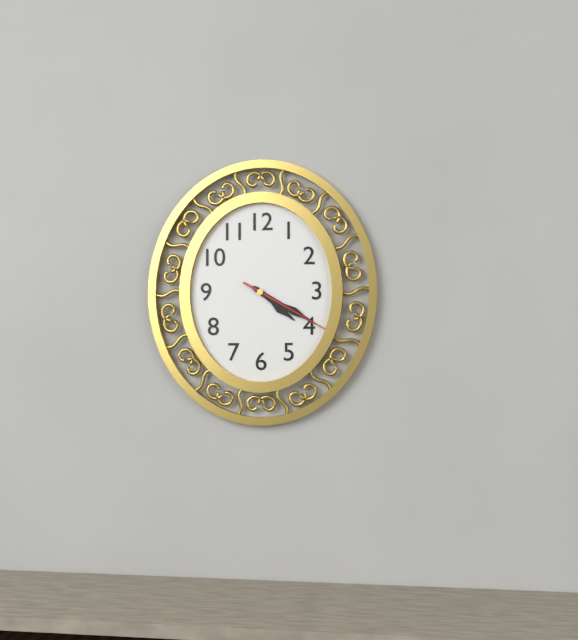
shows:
4,20,20
